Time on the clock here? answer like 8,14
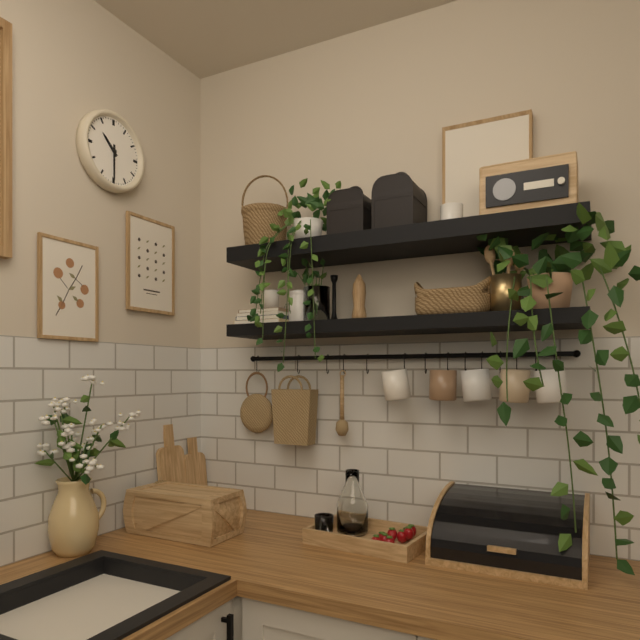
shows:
10,30
